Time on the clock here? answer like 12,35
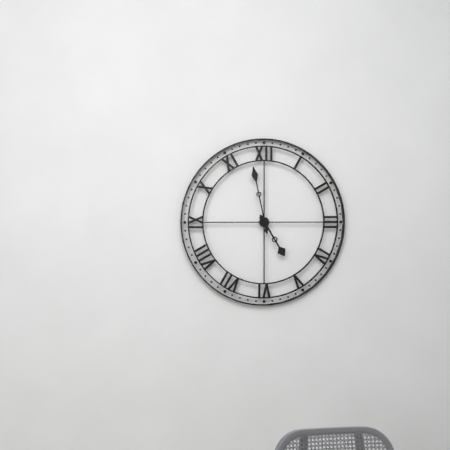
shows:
4,58
